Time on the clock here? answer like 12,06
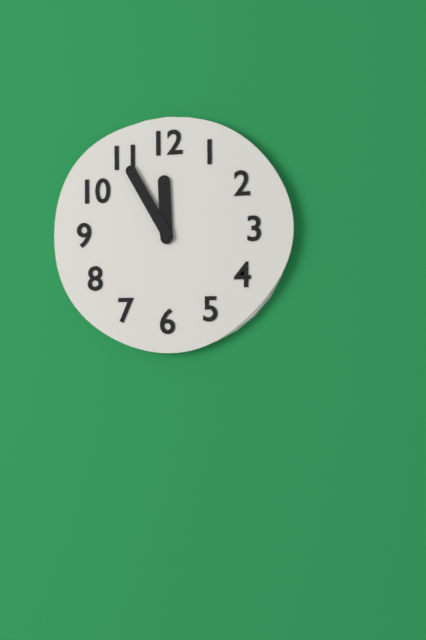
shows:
11,55
